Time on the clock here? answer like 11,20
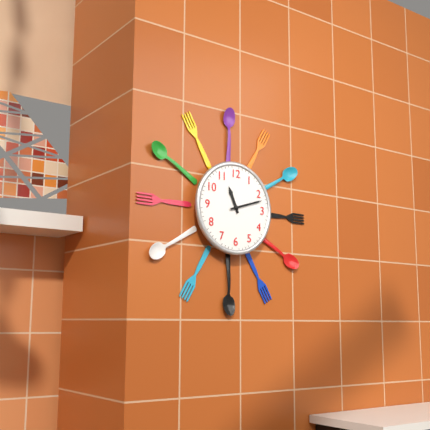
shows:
11,12
